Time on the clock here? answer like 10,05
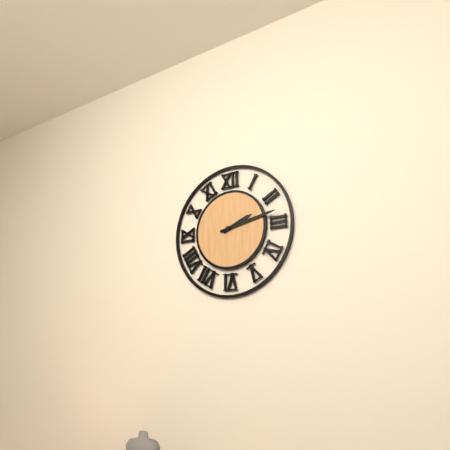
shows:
2,13
